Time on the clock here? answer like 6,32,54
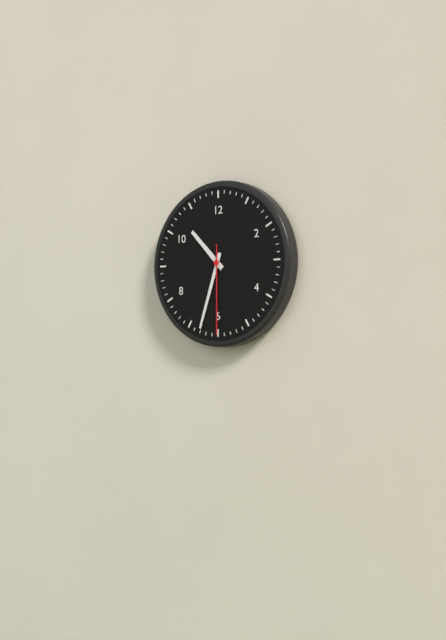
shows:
10,33,30
